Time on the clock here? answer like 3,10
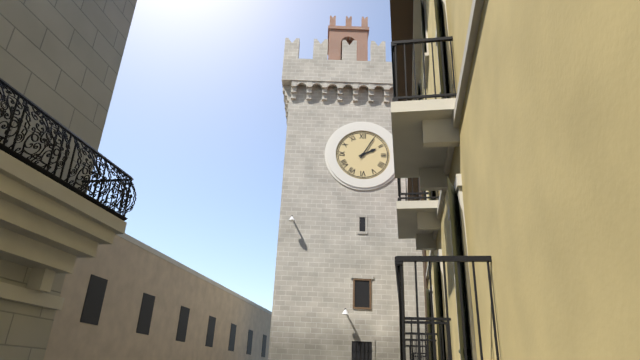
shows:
2,05
